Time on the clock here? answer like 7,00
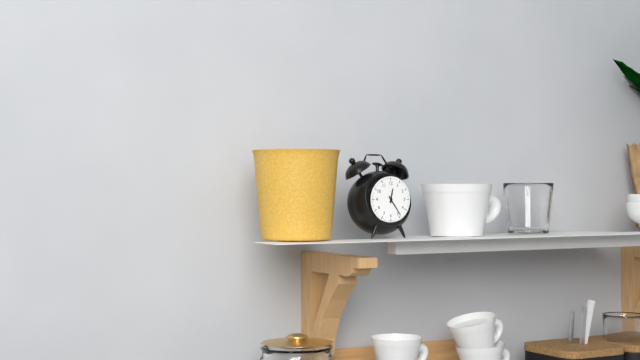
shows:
12,24
